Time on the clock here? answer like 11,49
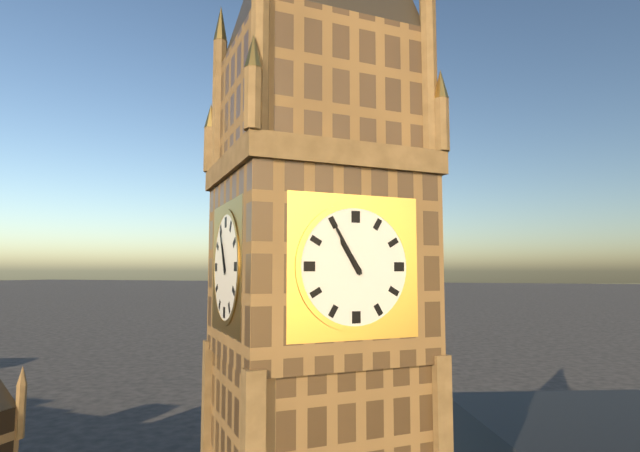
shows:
10,55
